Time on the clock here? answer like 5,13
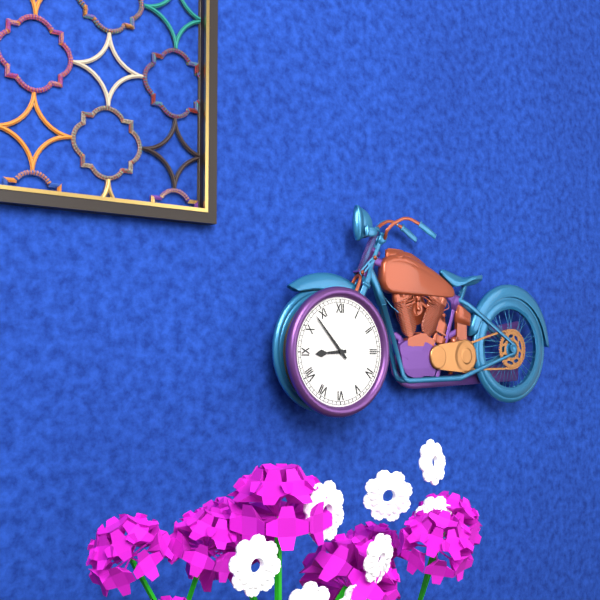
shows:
8,53
